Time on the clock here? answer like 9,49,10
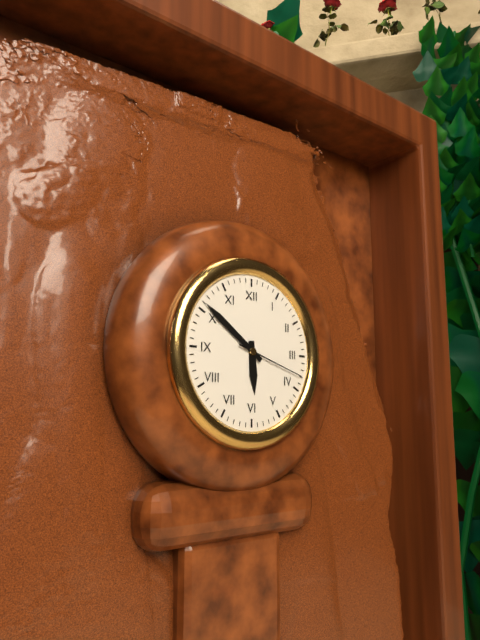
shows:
5,51,18
